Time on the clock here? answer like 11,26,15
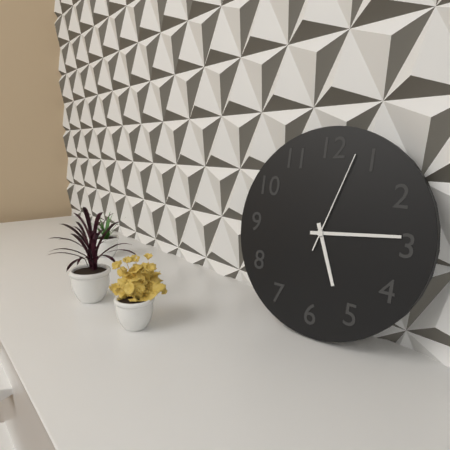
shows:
5,14,03
